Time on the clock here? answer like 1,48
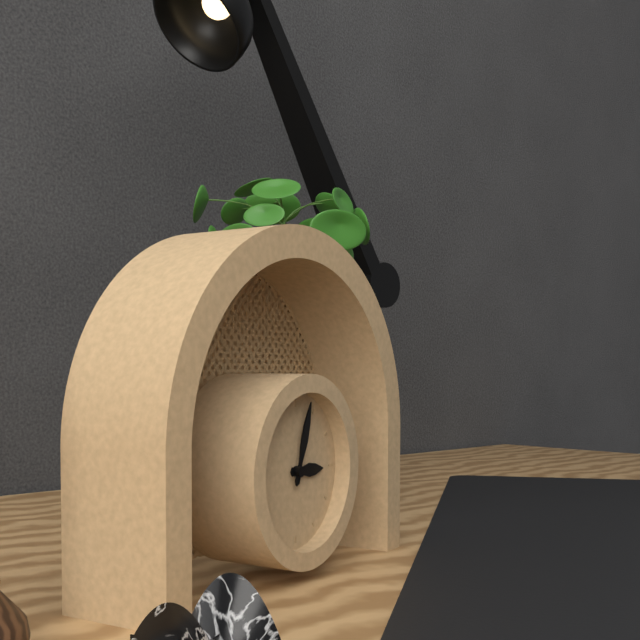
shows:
3,03
